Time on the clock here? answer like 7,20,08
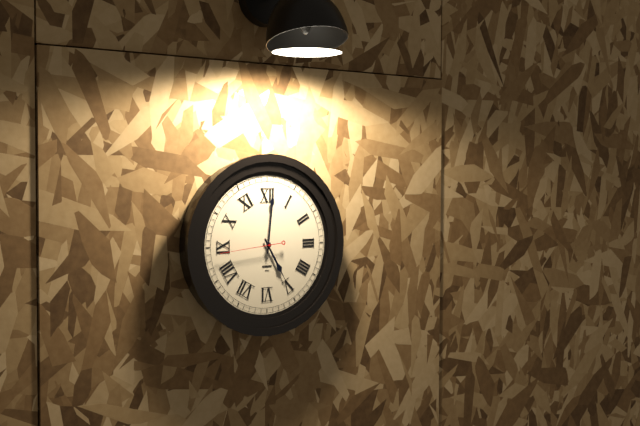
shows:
5,01,44
